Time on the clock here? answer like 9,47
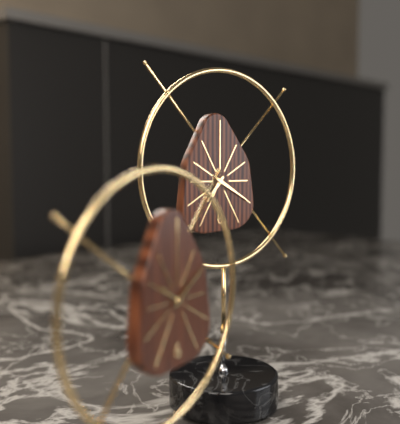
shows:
7,20
